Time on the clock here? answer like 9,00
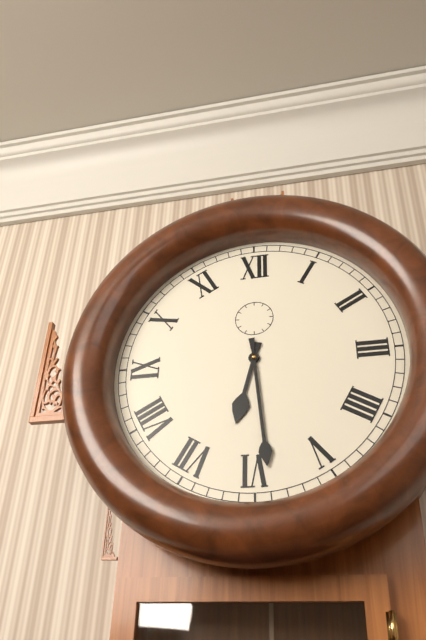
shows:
6,29
